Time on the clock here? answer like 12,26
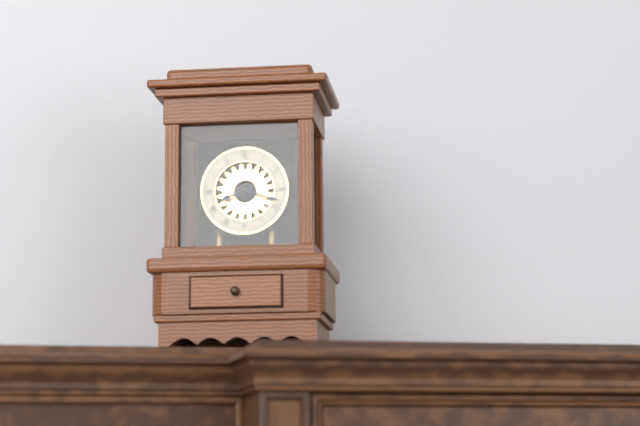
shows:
8,18
